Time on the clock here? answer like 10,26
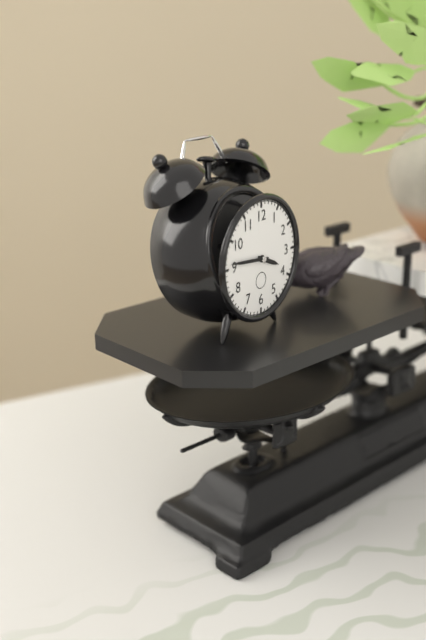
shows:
3,46
